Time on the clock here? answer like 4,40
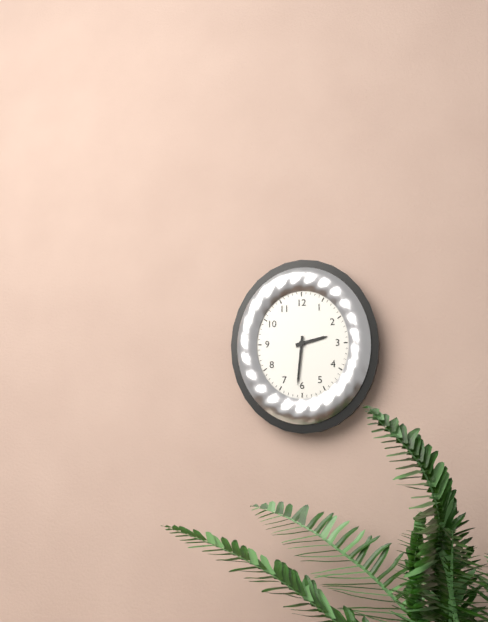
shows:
2,31
